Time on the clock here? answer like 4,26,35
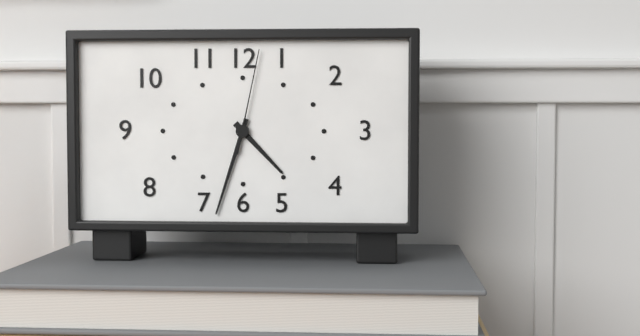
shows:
4,33,02
